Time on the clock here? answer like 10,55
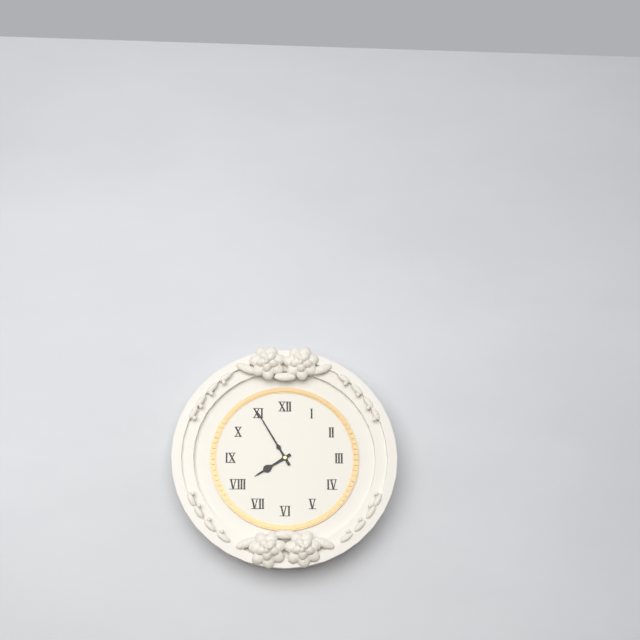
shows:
7,55
